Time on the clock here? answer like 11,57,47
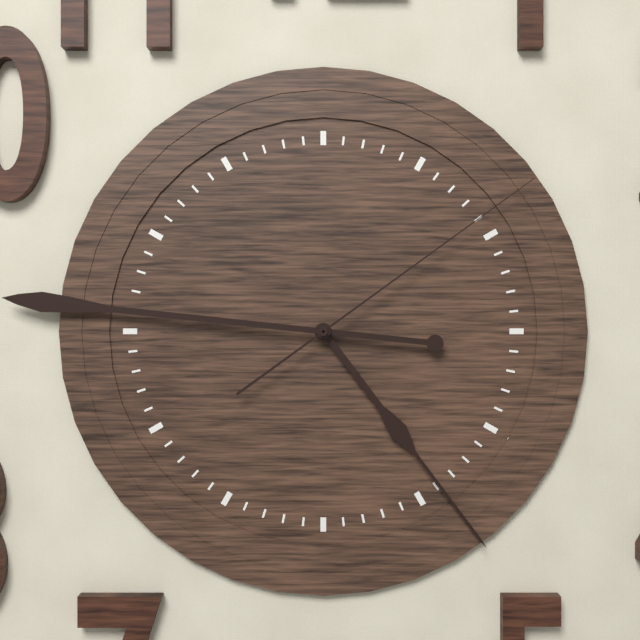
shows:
4,46,09
